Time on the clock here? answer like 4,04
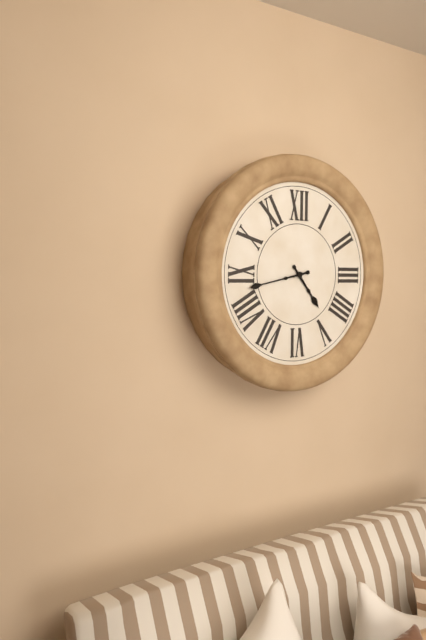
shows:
4,43
